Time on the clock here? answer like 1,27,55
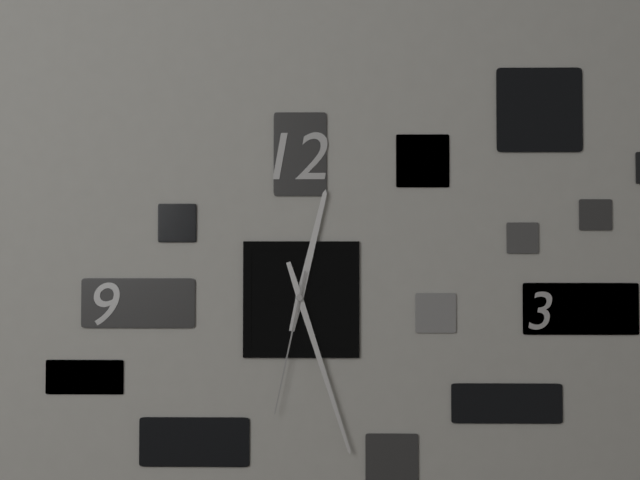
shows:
12,27,32
